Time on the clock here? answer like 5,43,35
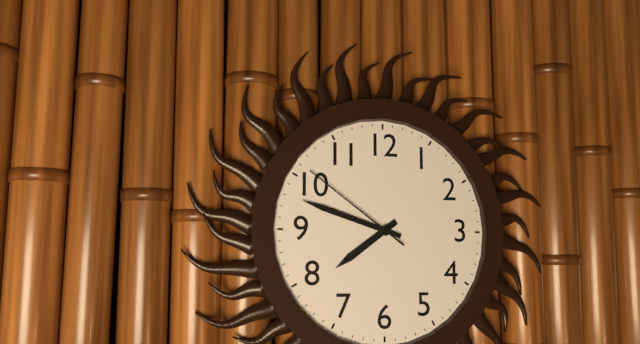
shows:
7,48,51
